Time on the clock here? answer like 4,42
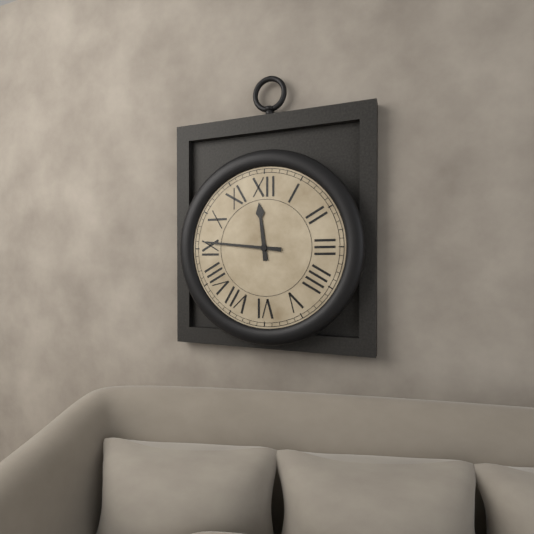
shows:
11,46
